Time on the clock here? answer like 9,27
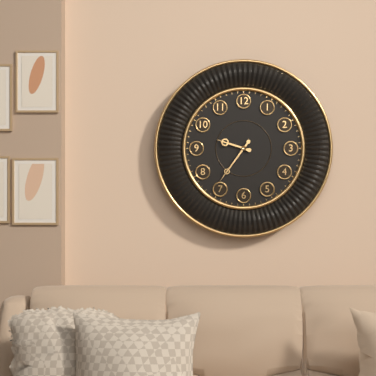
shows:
9,36
